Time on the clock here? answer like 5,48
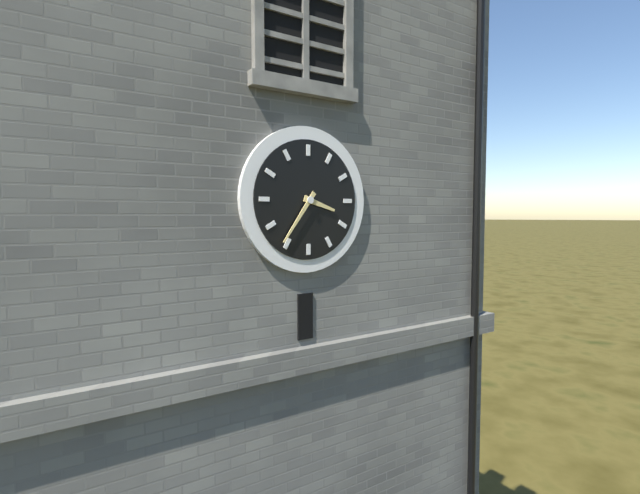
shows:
3,36
